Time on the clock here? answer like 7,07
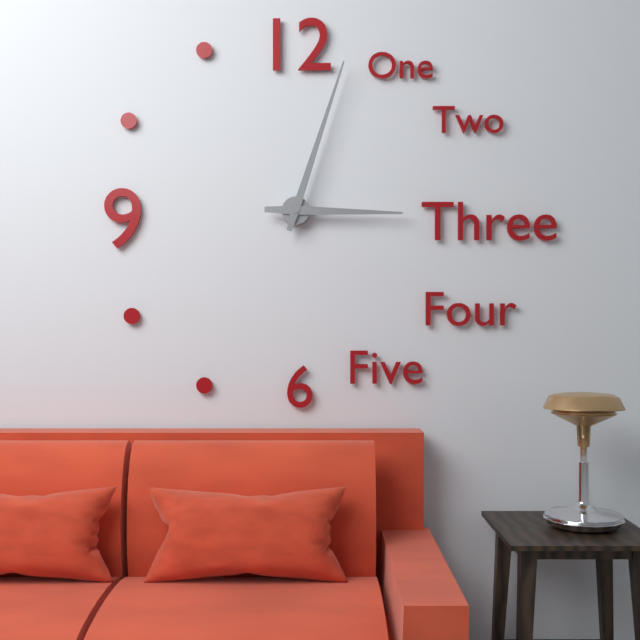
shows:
3,03
